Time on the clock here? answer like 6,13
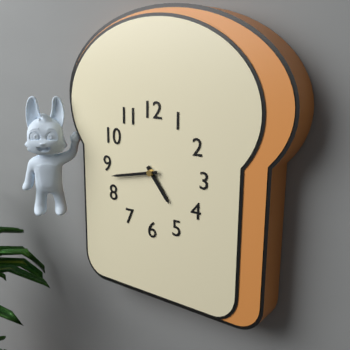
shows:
4,43
